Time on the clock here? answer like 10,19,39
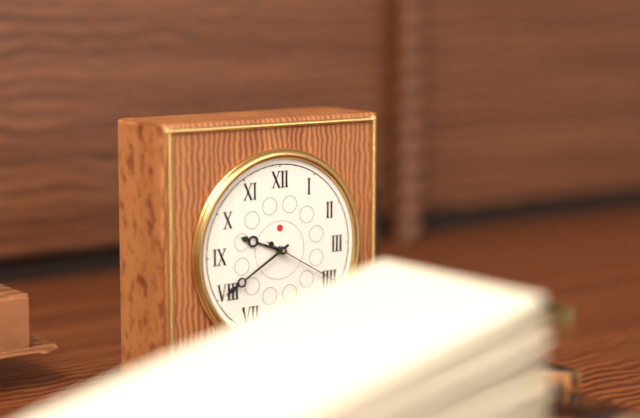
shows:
9,40,20
